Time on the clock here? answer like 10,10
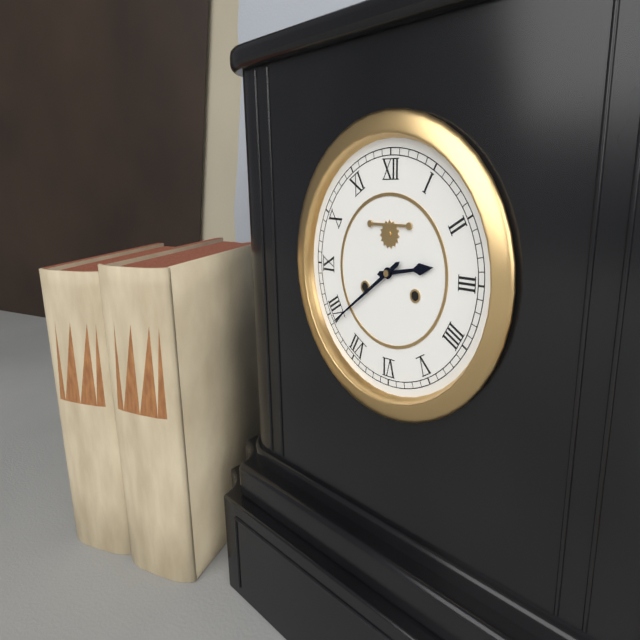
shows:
2,39
